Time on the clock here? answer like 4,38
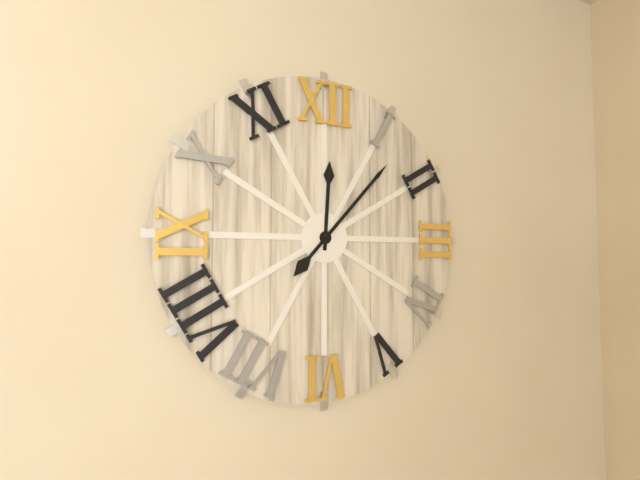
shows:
12,07
